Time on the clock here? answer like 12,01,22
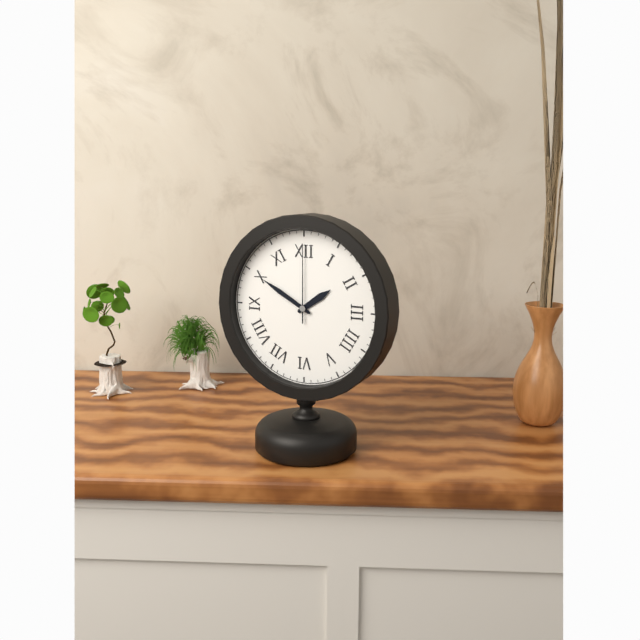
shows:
1,50,00
